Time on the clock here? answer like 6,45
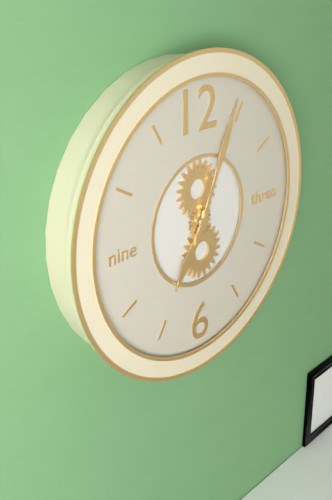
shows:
7,04
